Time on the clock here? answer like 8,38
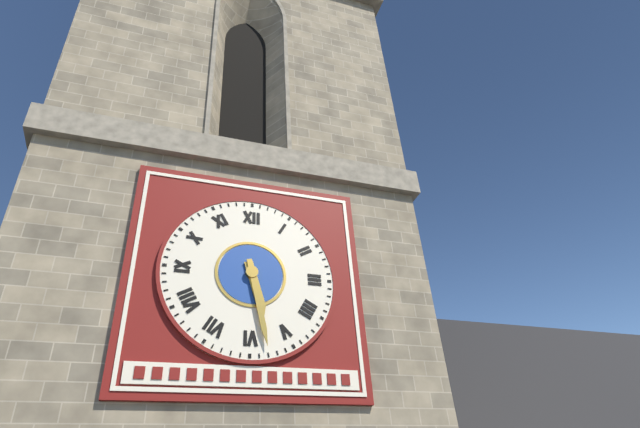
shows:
5,28
